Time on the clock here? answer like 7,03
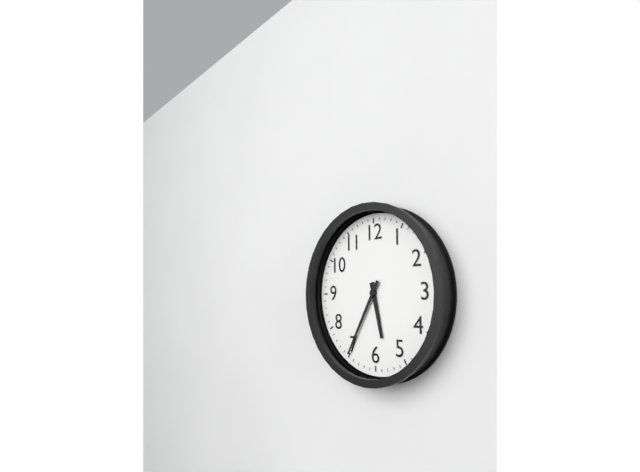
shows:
5,35
